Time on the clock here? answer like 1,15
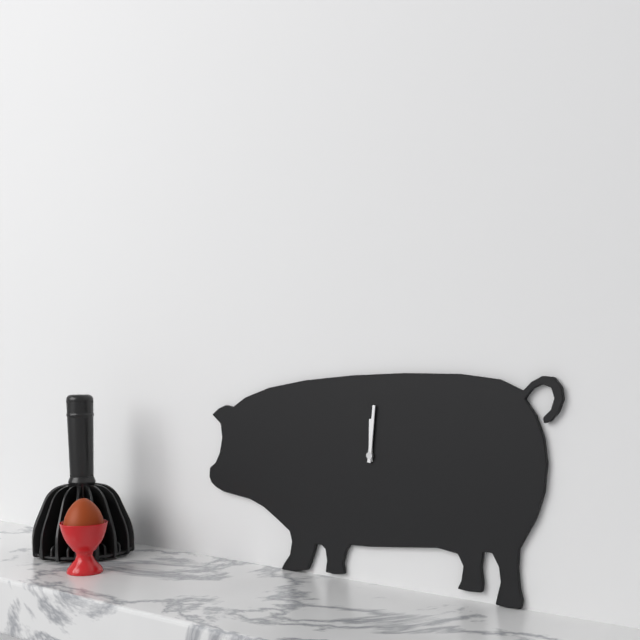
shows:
12,01
